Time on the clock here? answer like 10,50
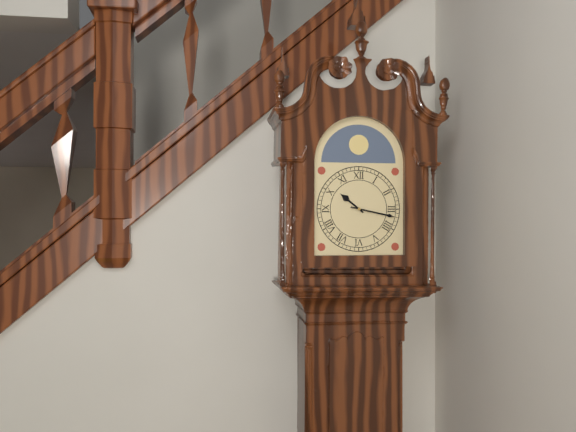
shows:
10,17
